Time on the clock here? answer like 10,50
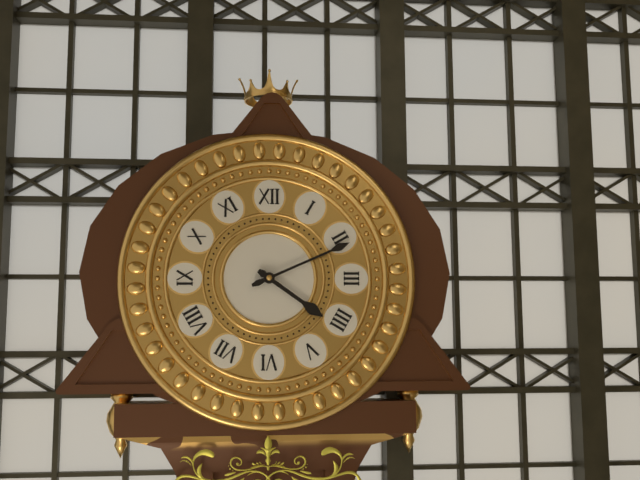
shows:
4,11
